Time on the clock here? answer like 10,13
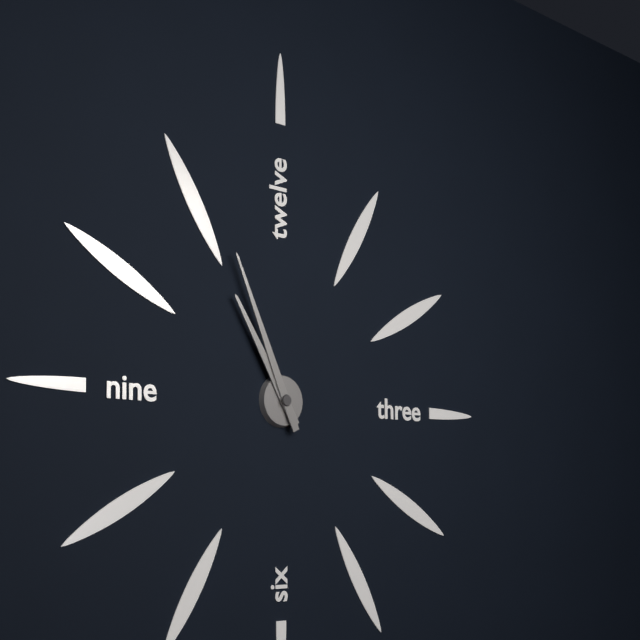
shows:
10,56
